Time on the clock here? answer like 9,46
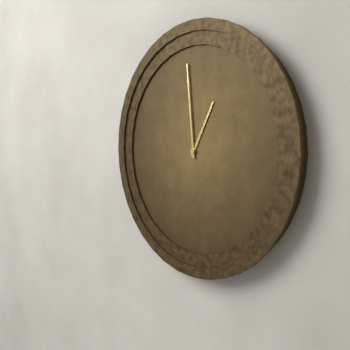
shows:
12,59
